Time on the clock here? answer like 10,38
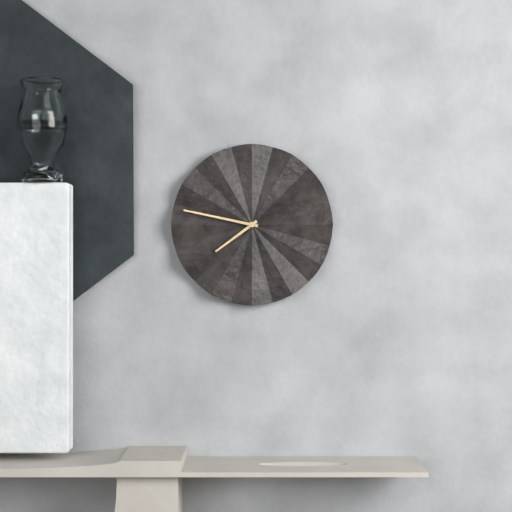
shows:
7,47
